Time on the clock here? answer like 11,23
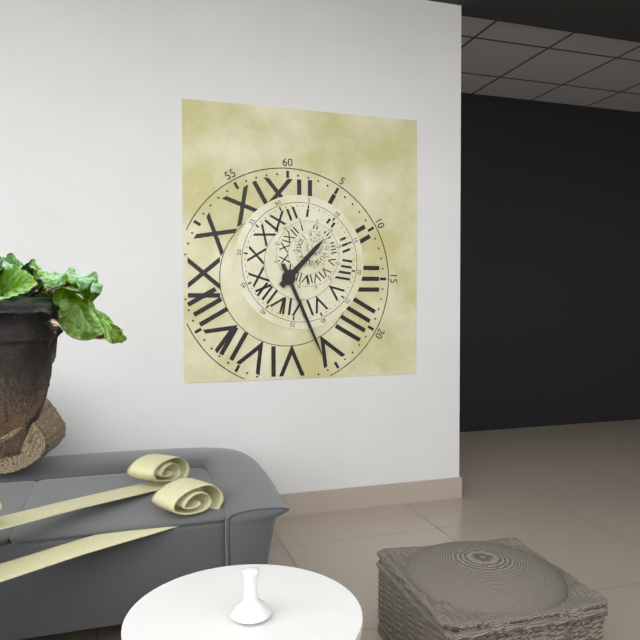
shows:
1,26
